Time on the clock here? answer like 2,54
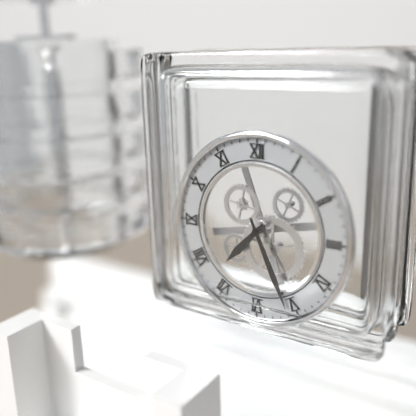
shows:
7,26
